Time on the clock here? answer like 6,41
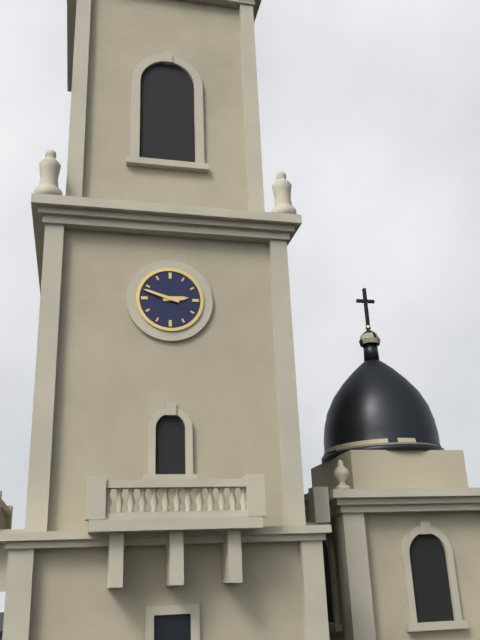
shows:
2,48
